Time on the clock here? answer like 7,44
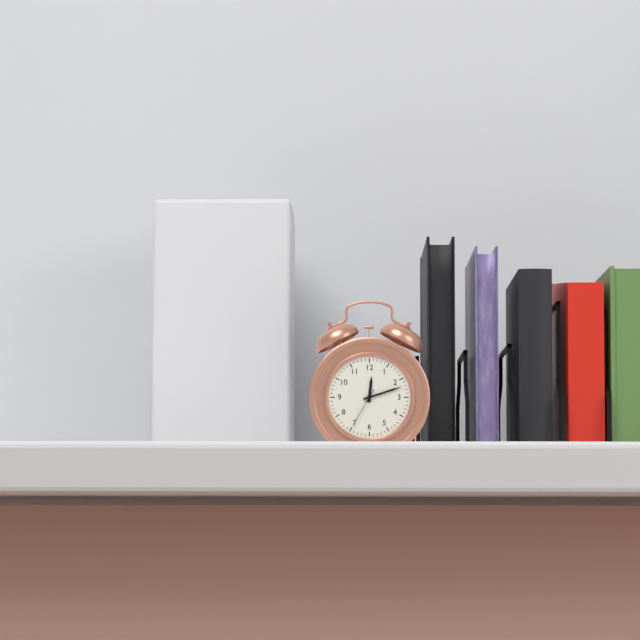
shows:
12,12
